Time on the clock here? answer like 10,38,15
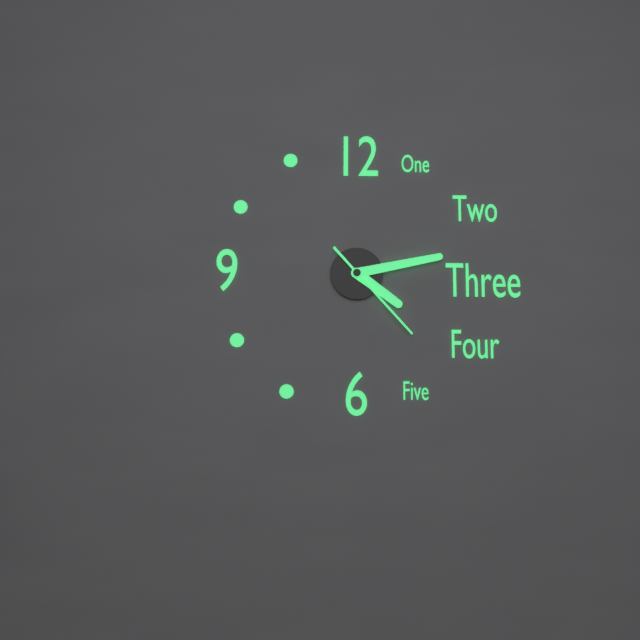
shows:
4,13,23
